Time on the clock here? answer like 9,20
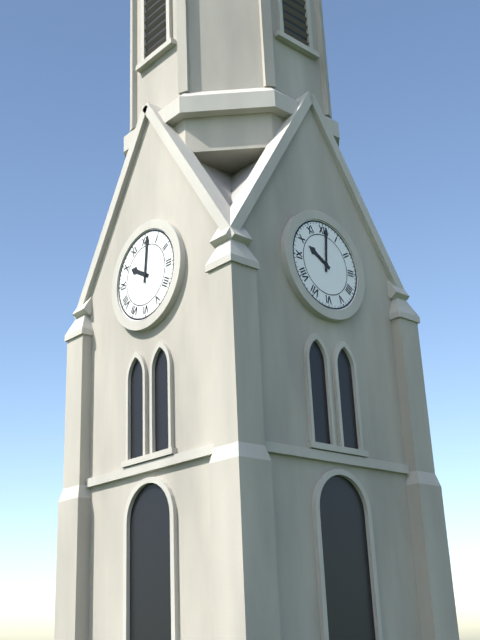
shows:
10,01
